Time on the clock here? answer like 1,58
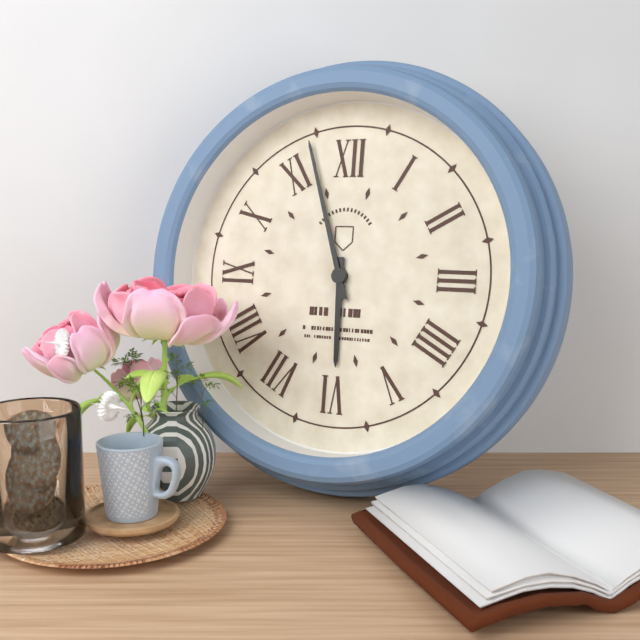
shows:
5,57
